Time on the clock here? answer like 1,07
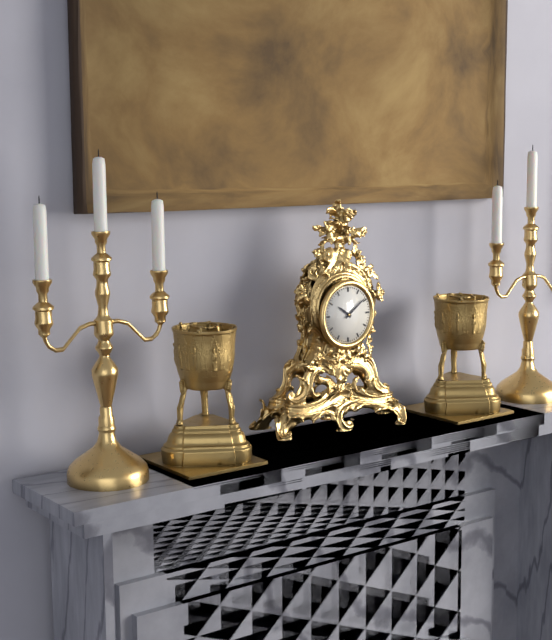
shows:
10,09
